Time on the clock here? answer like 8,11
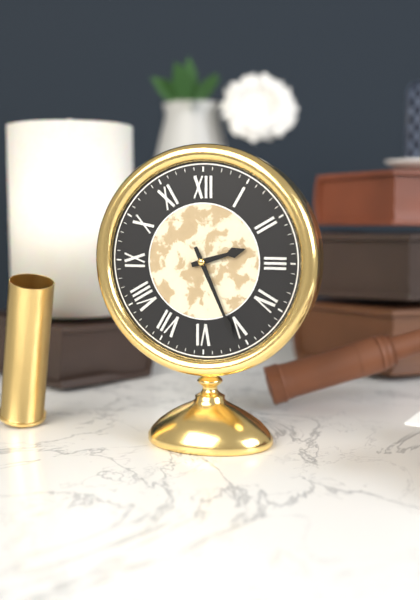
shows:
2,26
